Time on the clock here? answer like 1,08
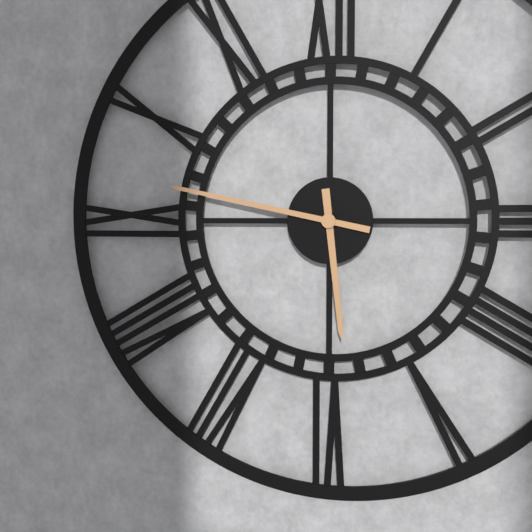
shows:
5,47
